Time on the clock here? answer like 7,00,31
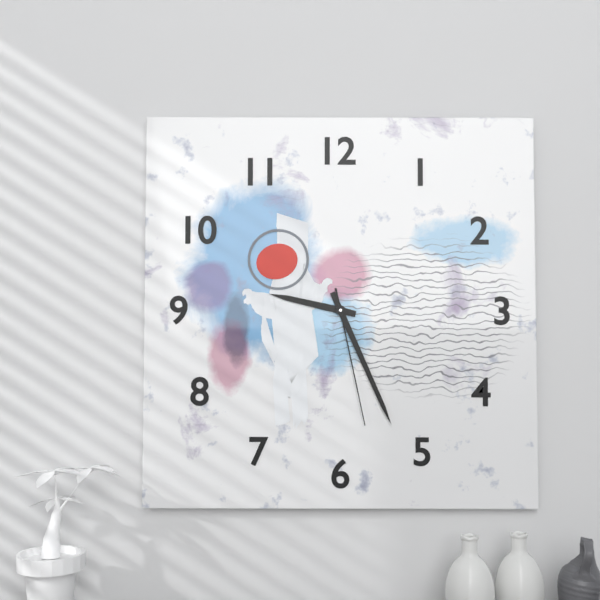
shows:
9,26,28
